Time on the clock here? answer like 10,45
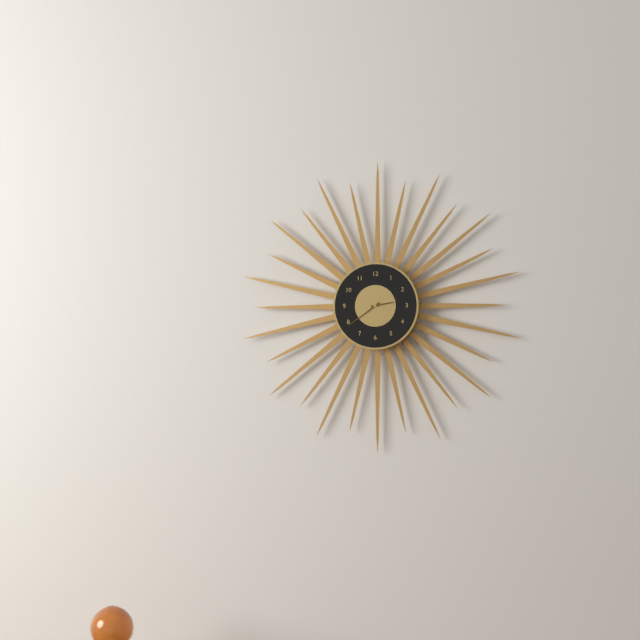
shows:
2,39
